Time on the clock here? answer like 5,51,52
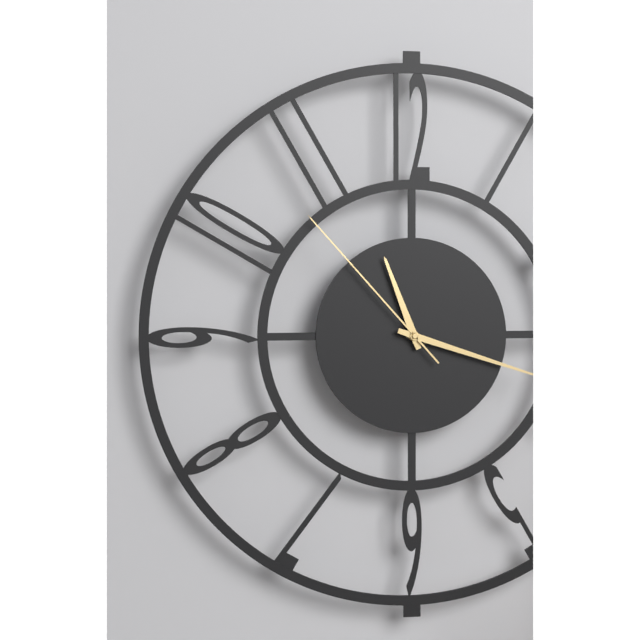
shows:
11,18,53
